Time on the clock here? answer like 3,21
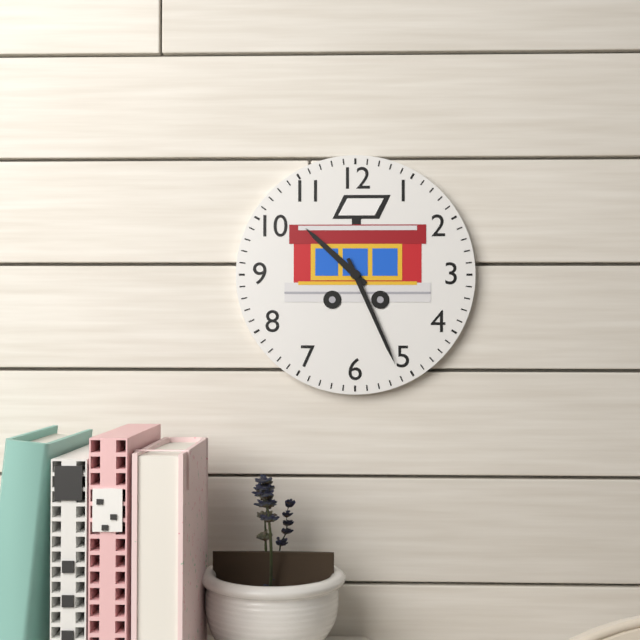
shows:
10,26
